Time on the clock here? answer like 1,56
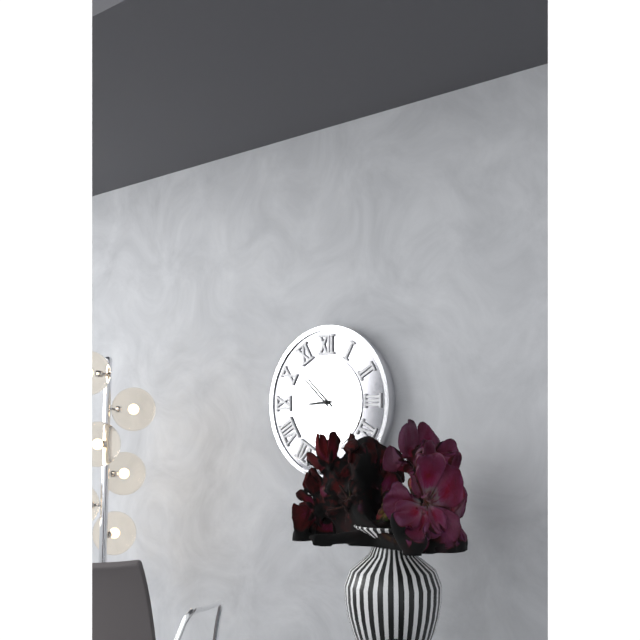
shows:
8,52
